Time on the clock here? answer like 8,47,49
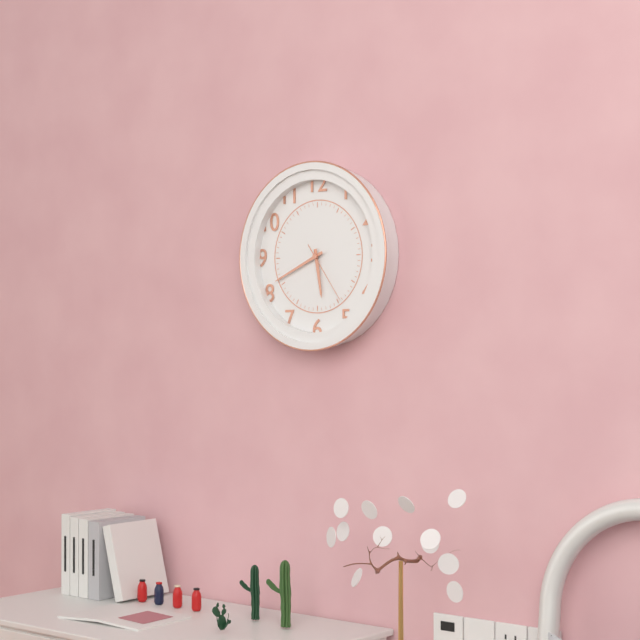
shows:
5,41,24
